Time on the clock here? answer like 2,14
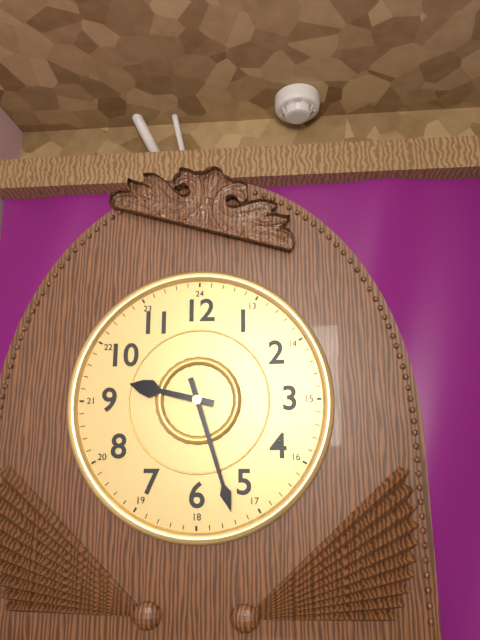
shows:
9,27
